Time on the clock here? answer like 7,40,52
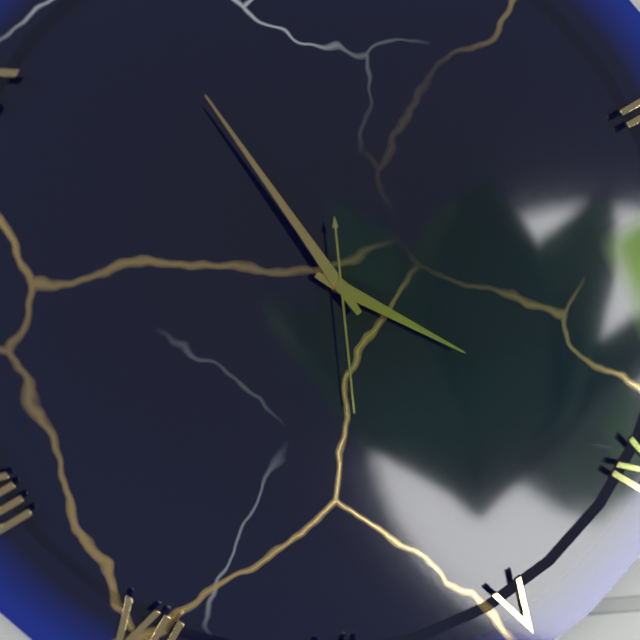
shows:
3,54,29
